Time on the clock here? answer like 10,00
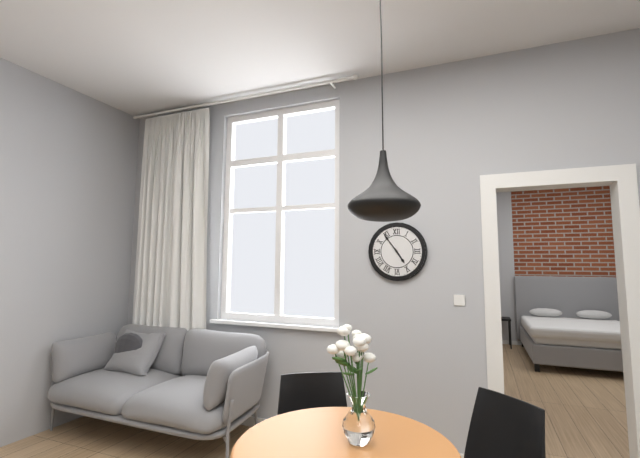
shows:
4,54
